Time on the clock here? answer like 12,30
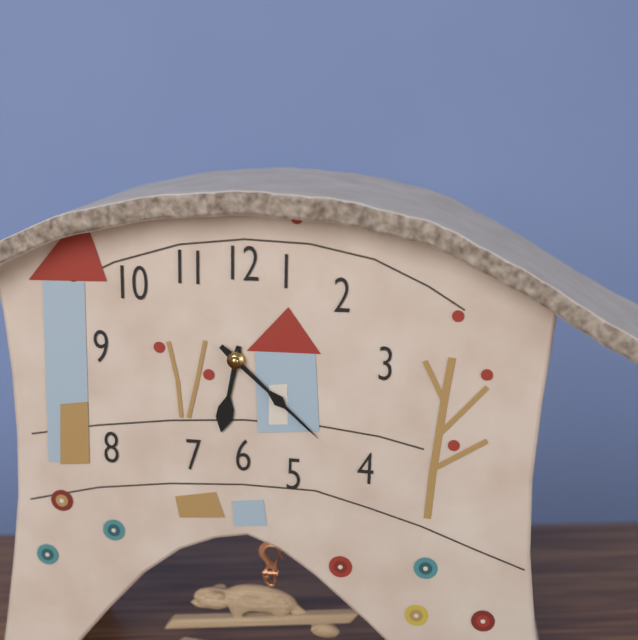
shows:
6,22
